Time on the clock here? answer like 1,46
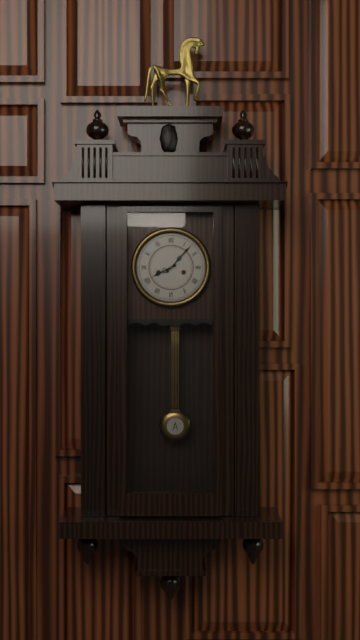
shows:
8,07
